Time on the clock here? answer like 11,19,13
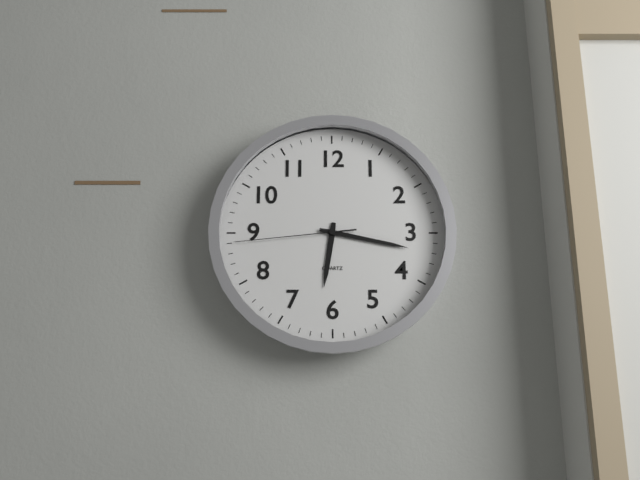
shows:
6,17,44
